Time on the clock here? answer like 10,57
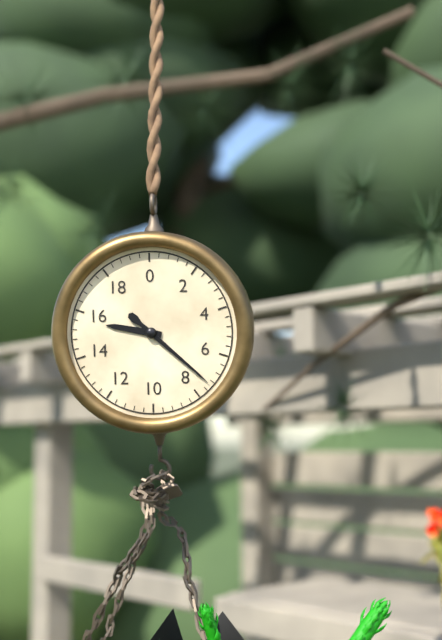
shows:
9,22
